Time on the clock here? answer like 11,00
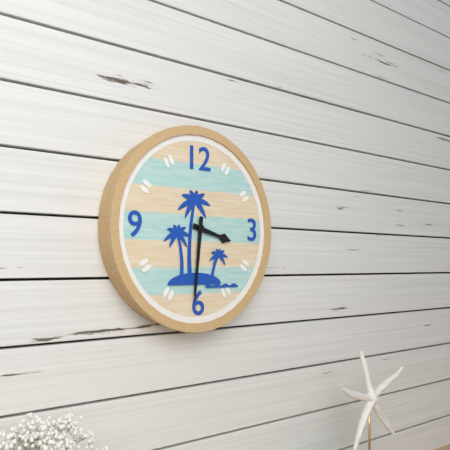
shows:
3,31
